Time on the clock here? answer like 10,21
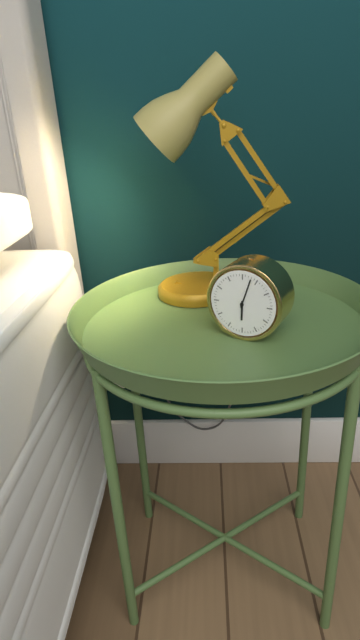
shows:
6,03
